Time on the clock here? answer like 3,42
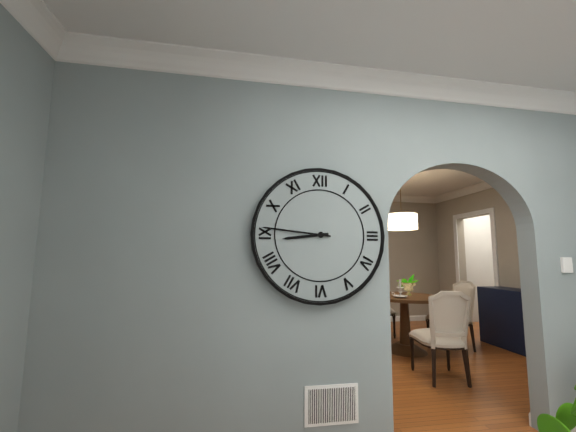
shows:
8,46
